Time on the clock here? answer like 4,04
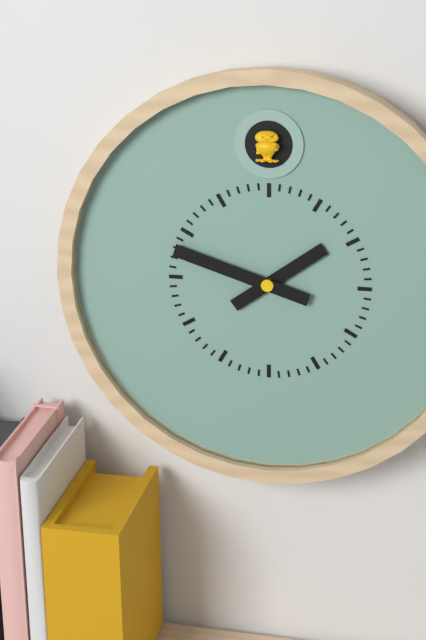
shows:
1,48
